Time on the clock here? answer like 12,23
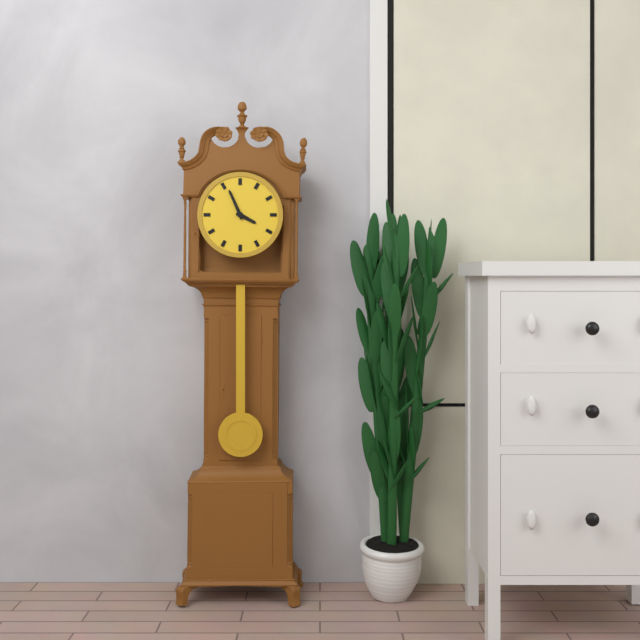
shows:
3,56
